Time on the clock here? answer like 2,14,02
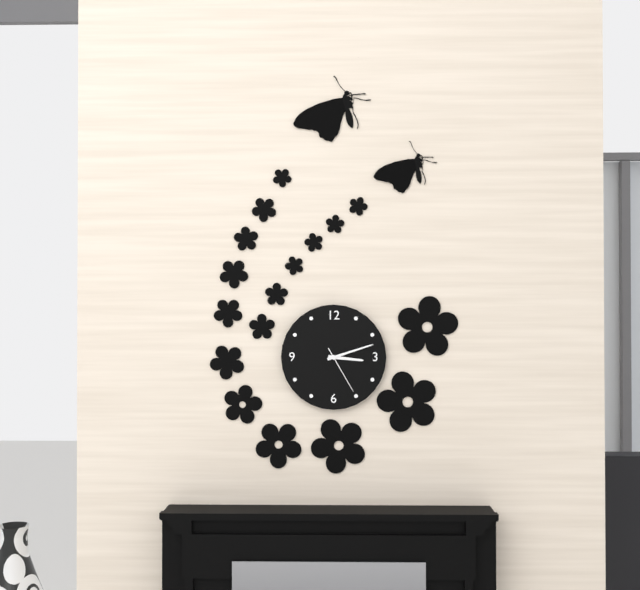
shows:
3,12,25
